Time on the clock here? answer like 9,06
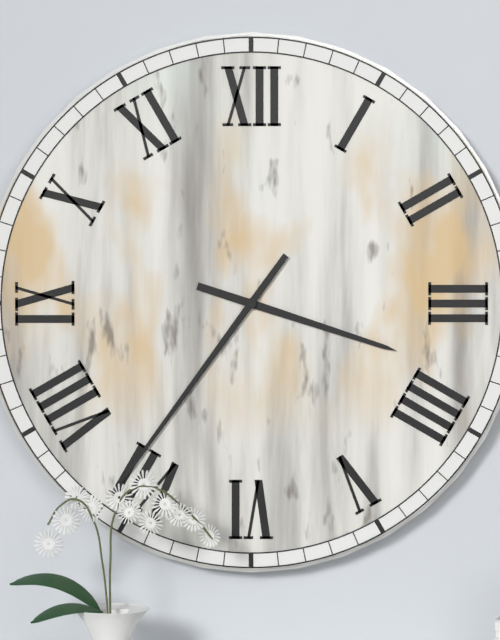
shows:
3,36
